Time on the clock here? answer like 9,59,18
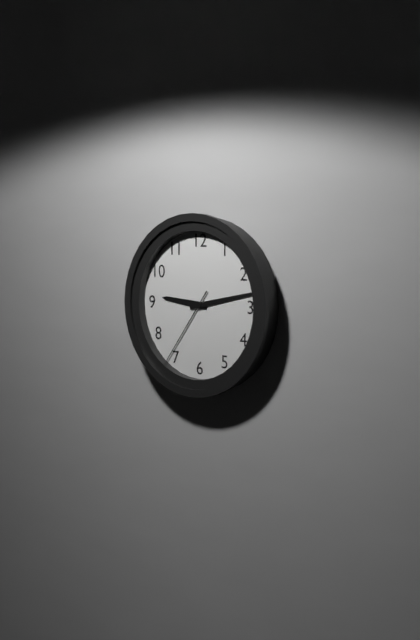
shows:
9,13,36
